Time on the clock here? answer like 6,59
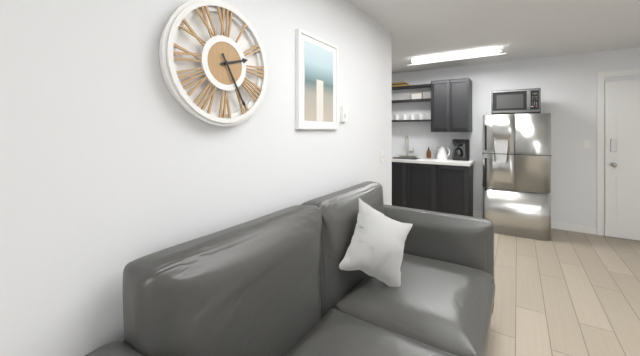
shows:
2,25
